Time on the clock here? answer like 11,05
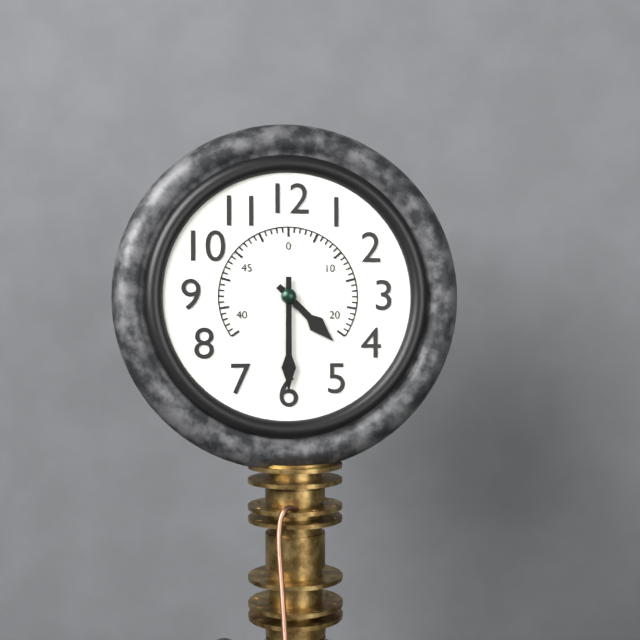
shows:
4,30
